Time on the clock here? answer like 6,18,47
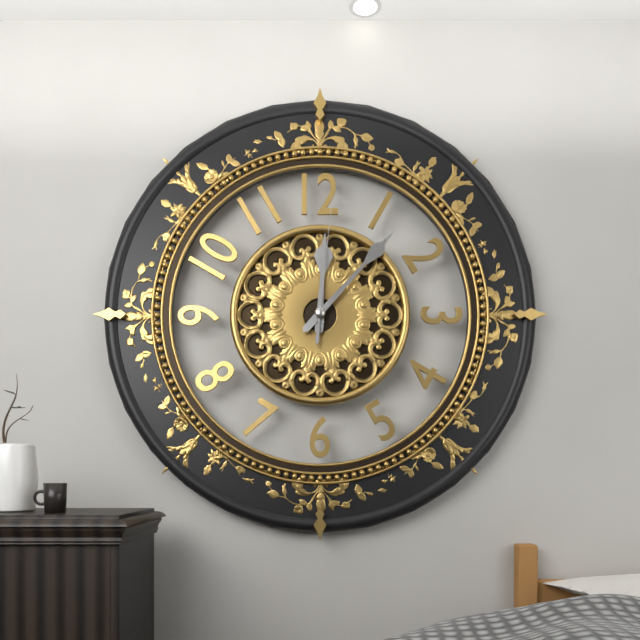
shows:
12,07,01
